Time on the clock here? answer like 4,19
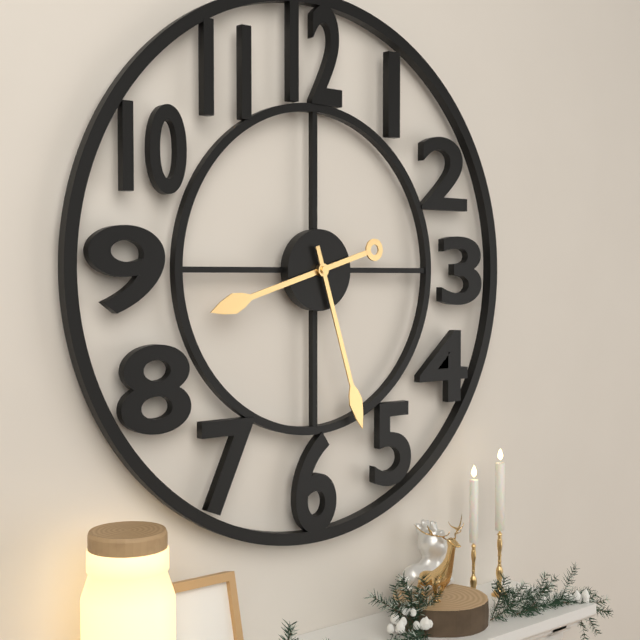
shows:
8,27
